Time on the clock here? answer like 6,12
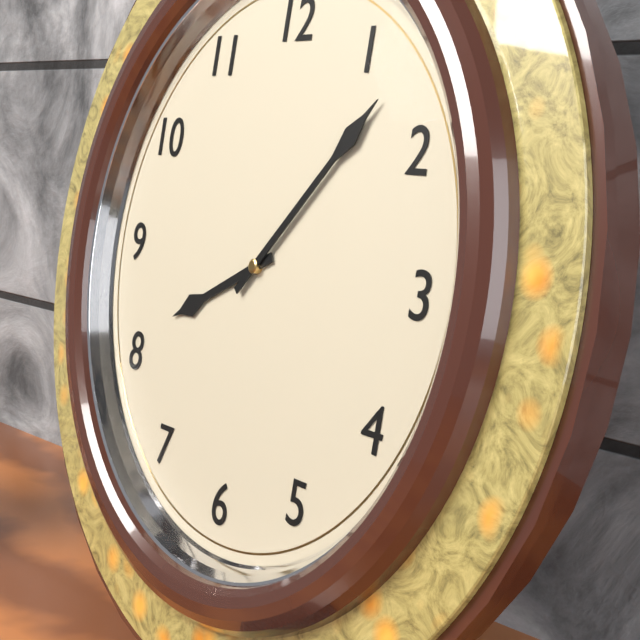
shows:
8,07
